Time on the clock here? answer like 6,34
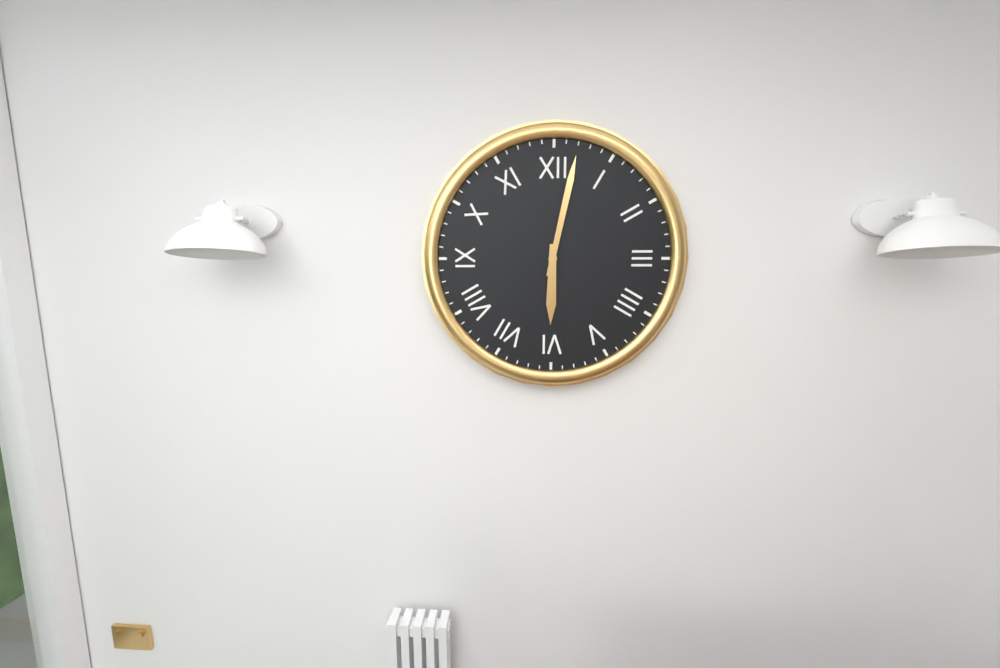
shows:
6,02
